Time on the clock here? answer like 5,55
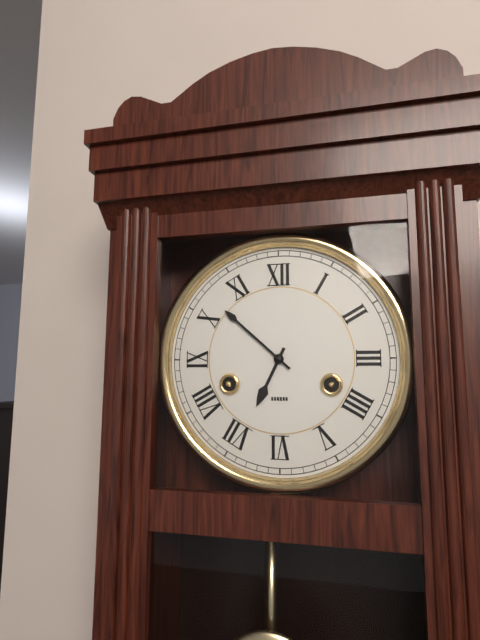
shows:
6,52
